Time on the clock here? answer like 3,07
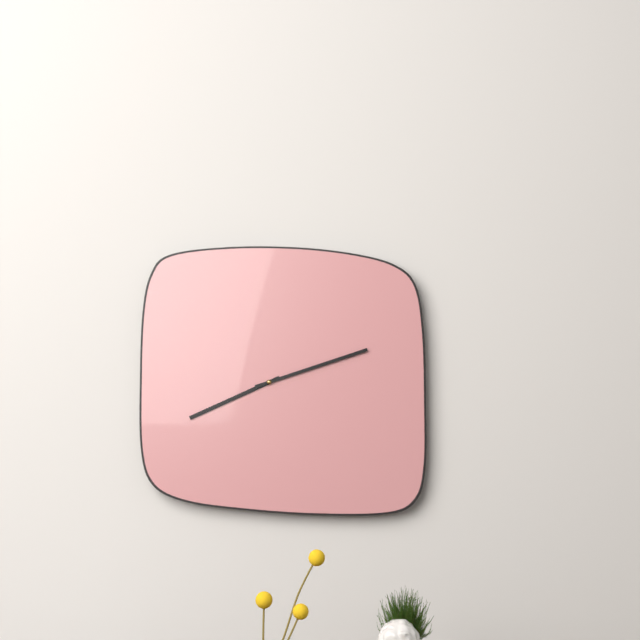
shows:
8,12
